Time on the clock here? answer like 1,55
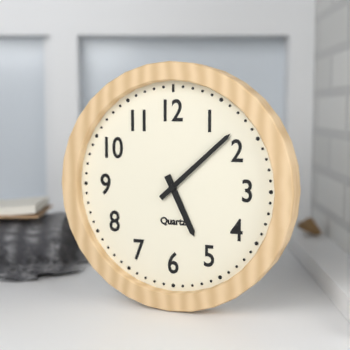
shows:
5,08
